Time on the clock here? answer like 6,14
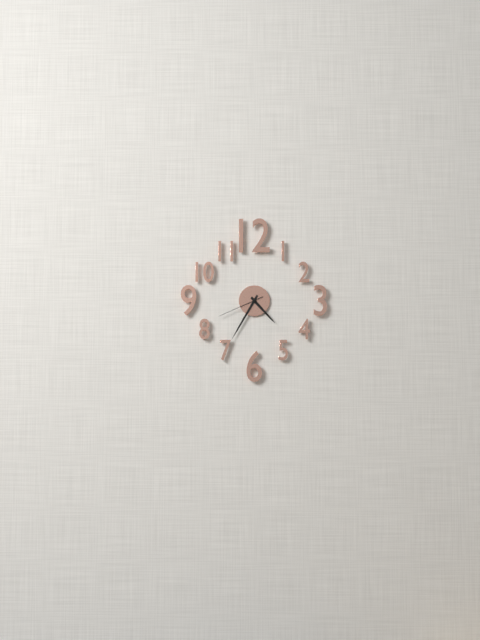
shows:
4,35
